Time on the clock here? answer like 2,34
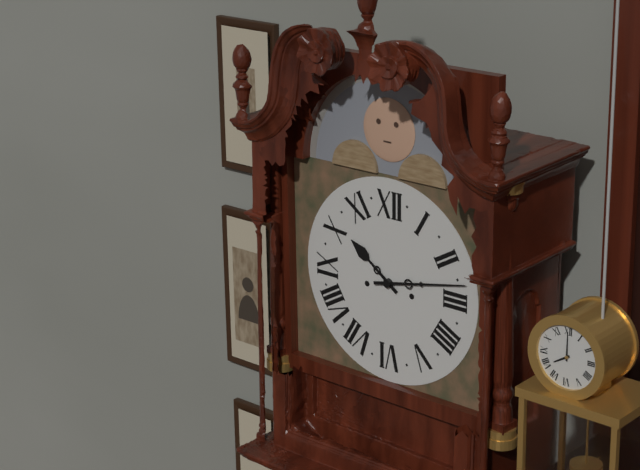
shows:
10,13
